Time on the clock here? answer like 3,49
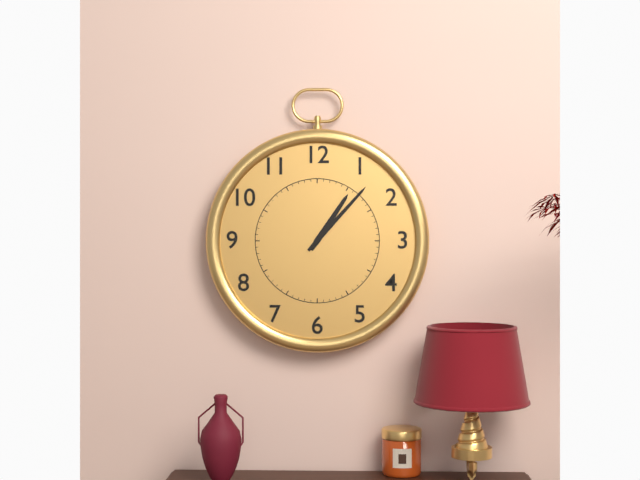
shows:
1,07
